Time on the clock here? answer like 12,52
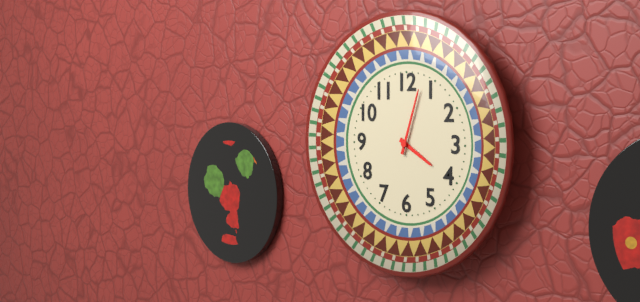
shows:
4,03
